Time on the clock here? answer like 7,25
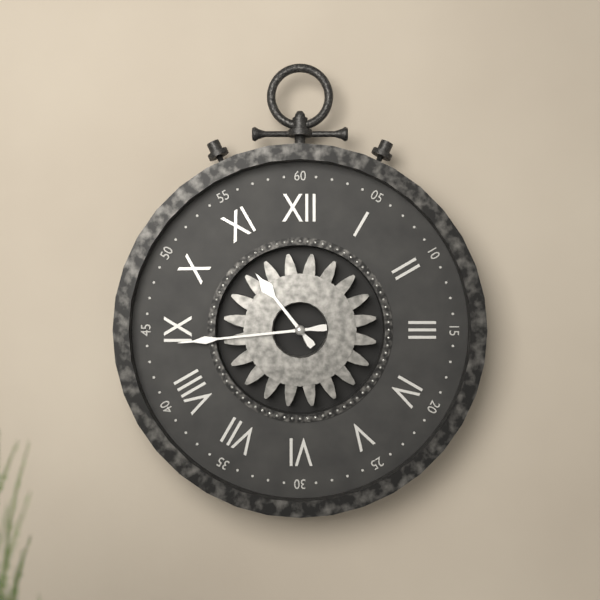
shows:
10,44
